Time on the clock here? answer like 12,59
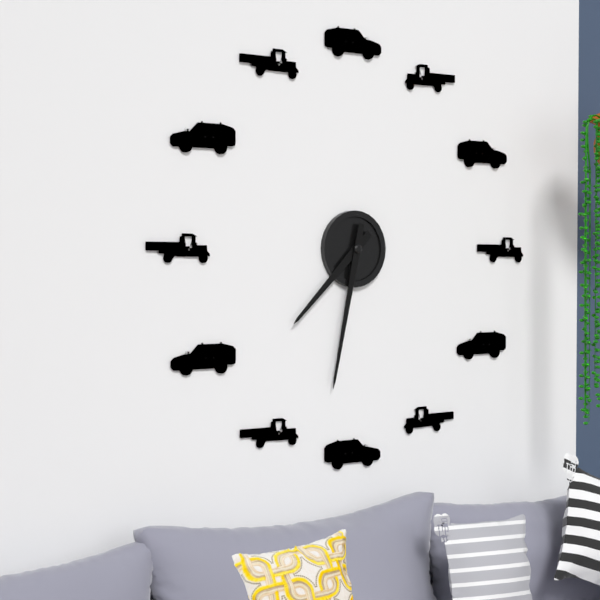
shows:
7,32
